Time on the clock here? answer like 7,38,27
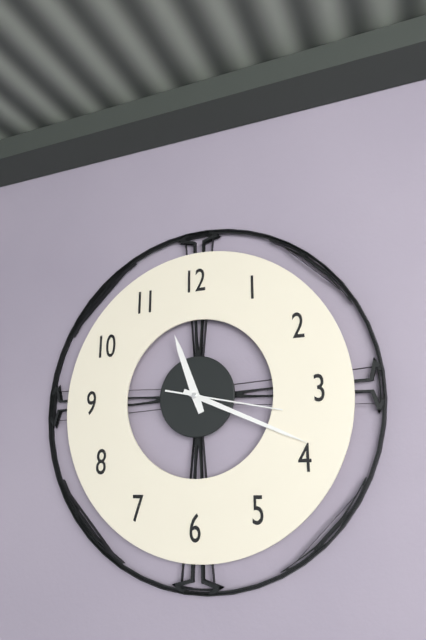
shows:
11,19,17
